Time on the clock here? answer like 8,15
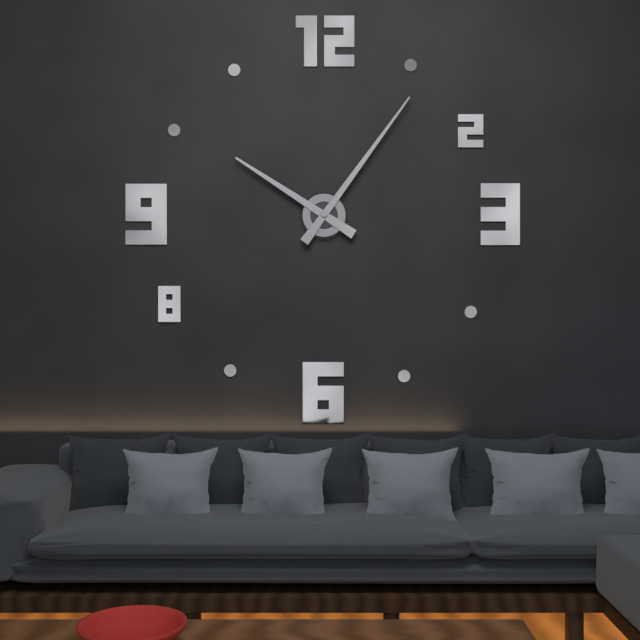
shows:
10,06
